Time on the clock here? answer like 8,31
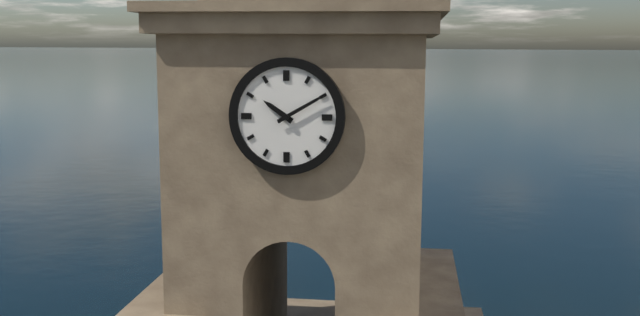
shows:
10,10
